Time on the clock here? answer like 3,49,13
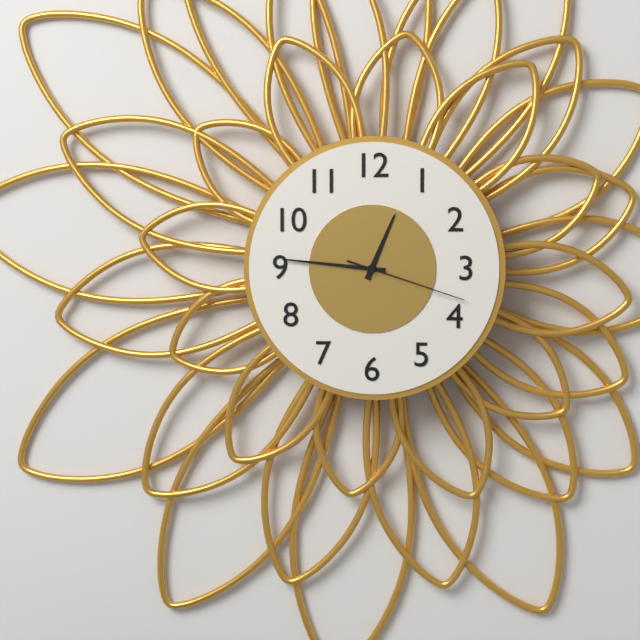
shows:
12,46,18
